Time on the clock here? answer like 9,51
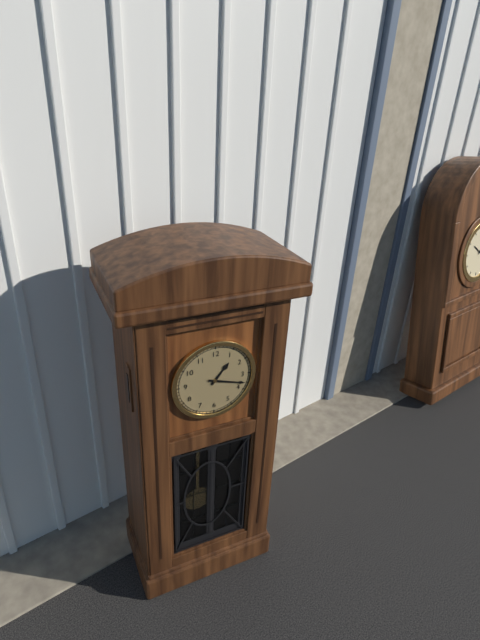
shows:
1,18
